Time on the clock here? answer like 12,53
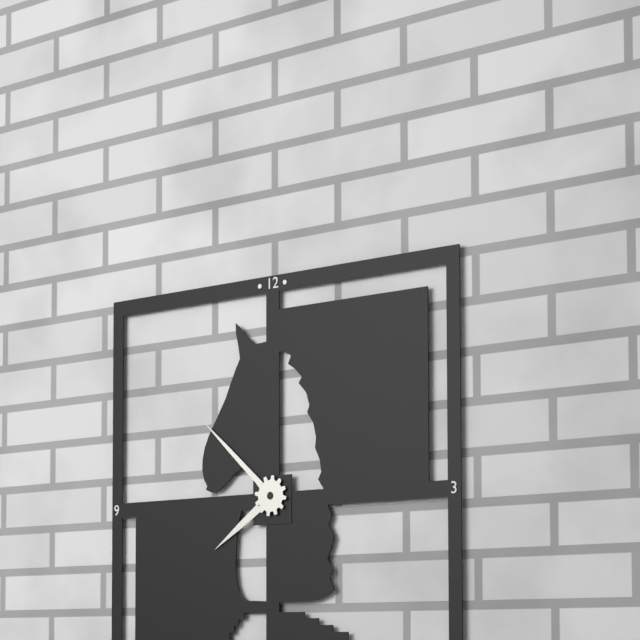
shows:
7,52
